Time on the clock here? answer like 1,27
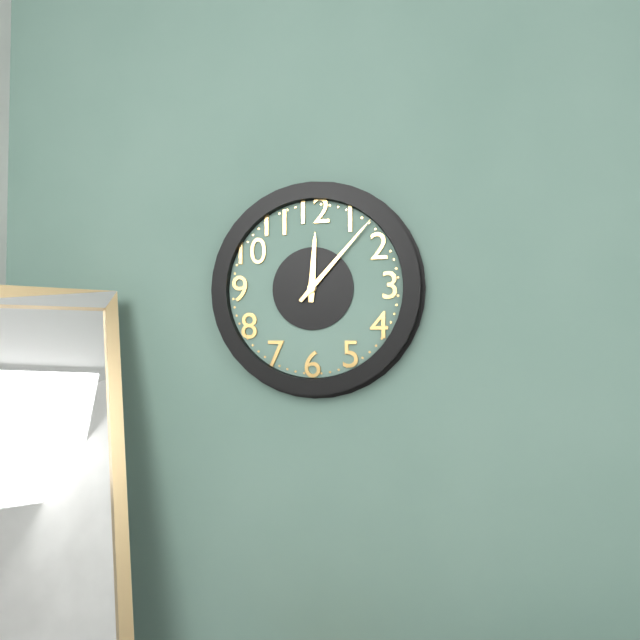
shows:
12,07
